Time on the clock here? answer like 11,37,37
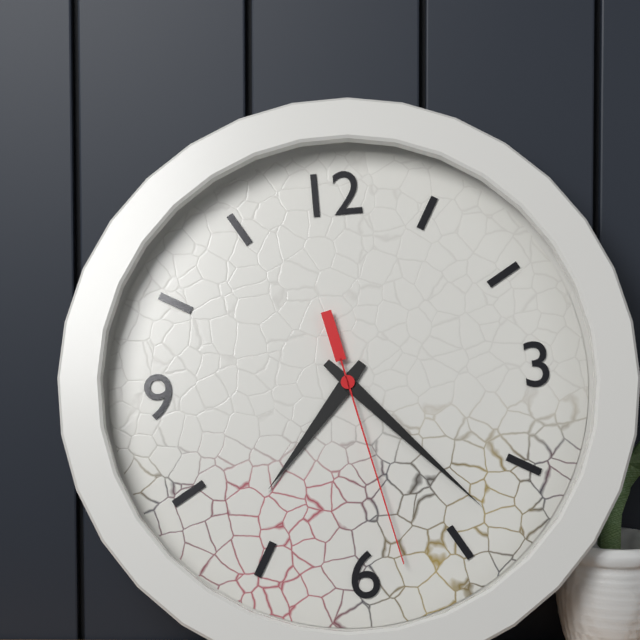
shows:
7,23,28
